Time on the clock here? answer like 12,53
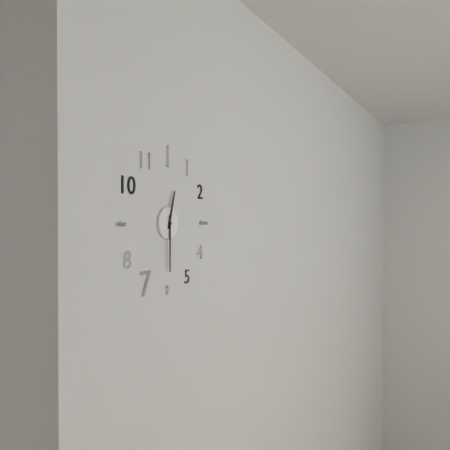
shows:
12,30
